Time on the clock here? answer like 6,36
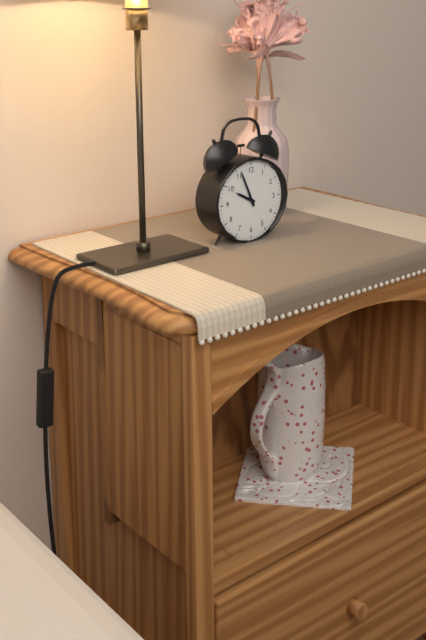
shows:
9,56
